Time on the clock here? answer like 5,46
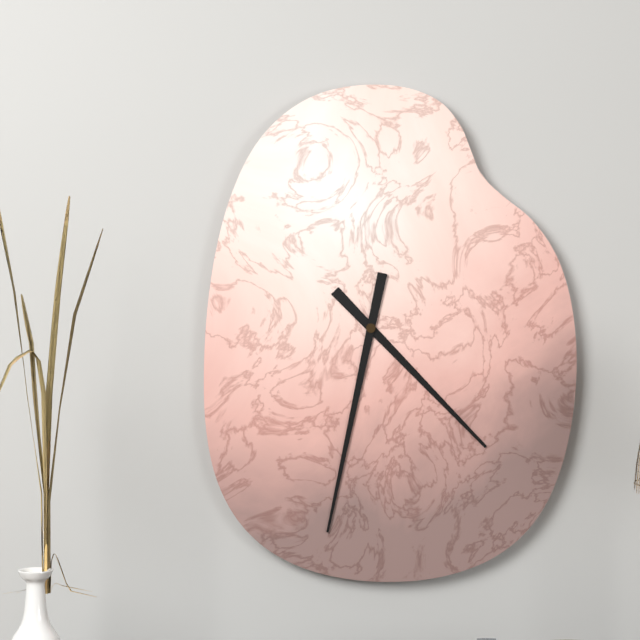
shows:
4,32
